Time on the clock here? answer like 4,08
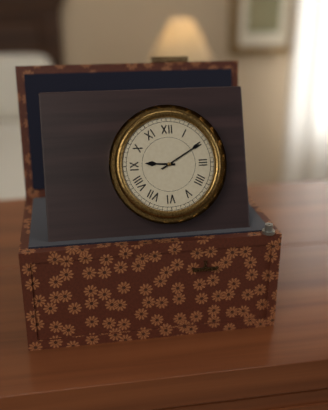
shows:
9,10
